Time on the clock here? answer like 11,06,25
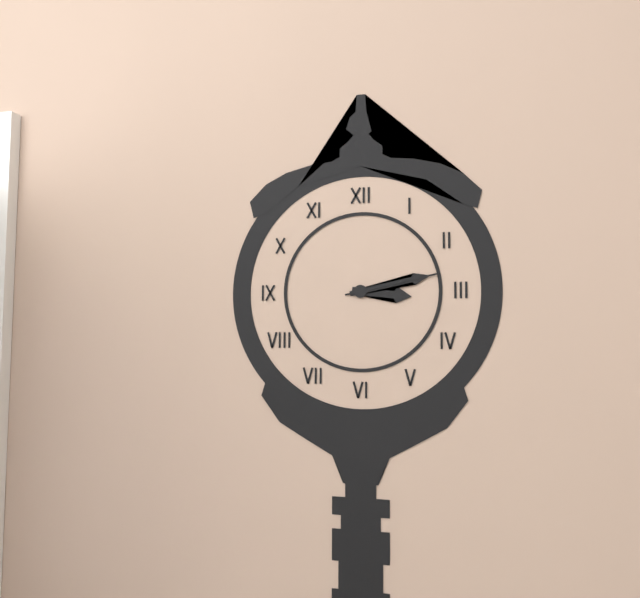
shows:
3,13,13
